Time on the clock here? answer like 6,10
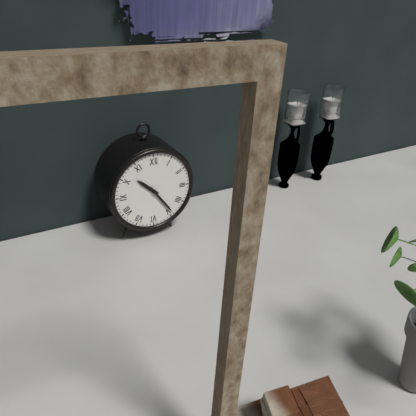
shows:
10,24
